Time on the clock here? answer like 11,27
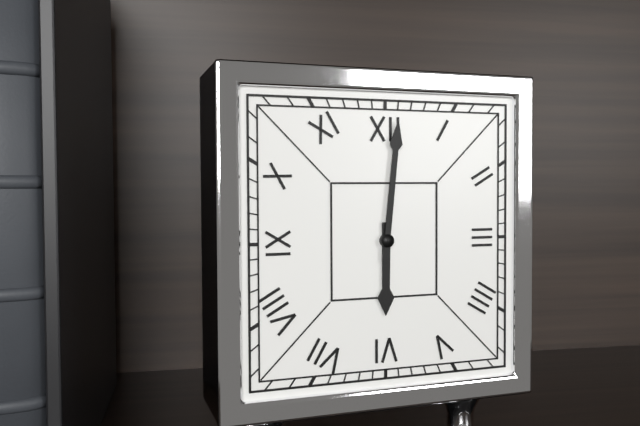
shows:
6,01
